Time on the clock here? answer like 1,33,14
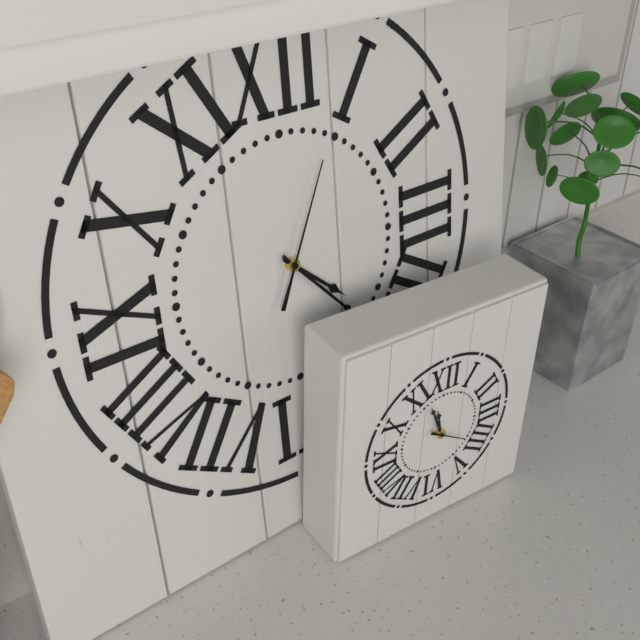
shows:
4,23,04
